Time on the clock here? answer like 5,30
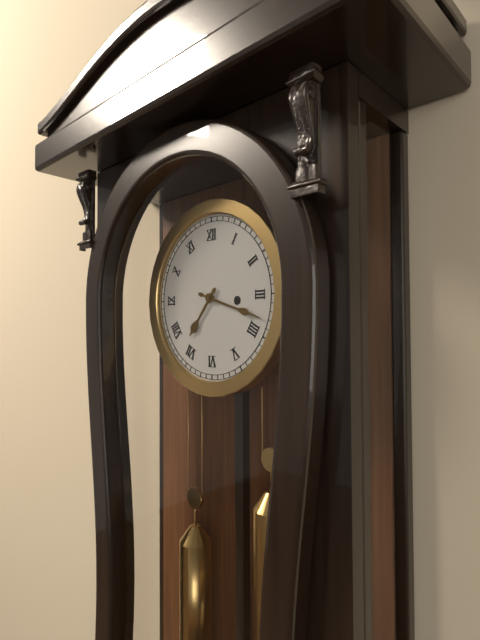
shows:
7,18
